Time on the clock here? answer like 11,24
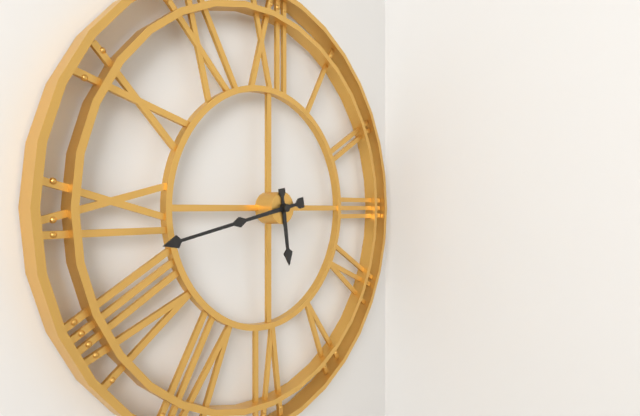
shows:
5,43
